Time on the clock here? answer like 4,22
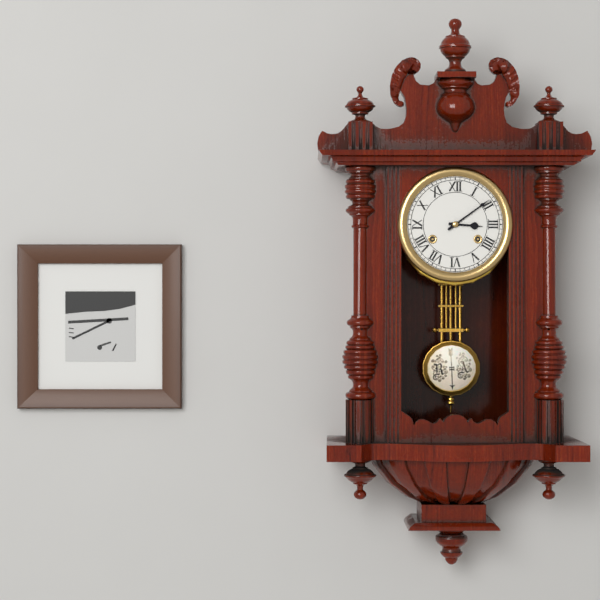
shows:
3,09
